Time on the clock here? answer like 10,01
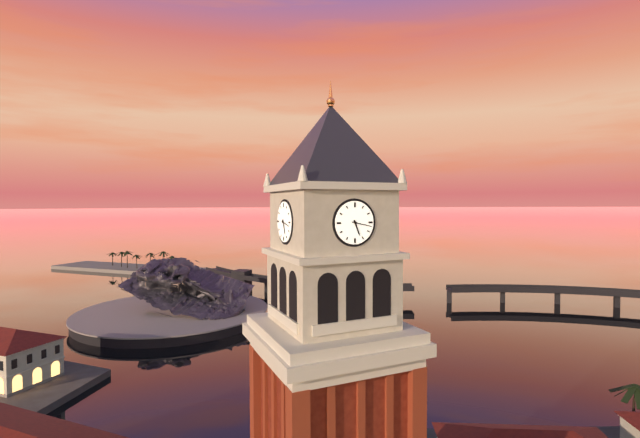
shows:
5,17
